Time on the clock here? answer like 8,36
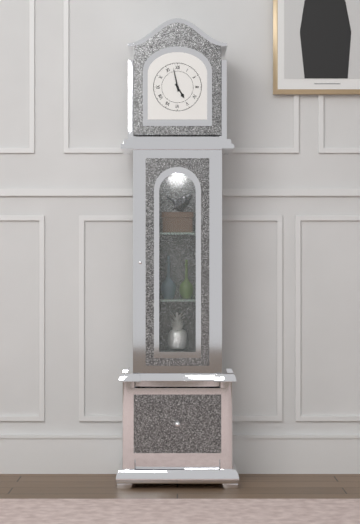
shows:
4,58
